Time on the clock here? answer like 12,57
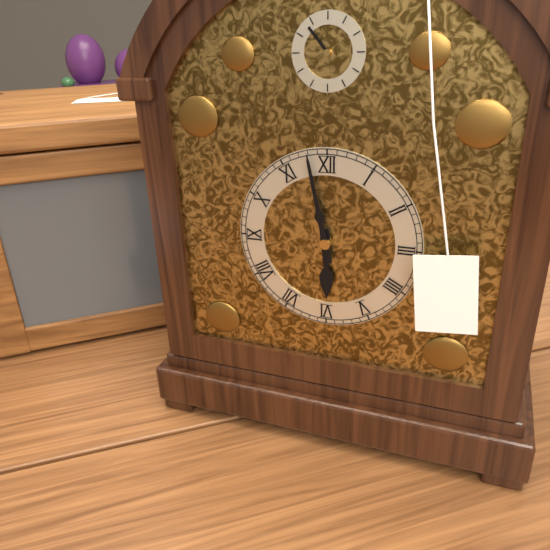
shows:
5,58
